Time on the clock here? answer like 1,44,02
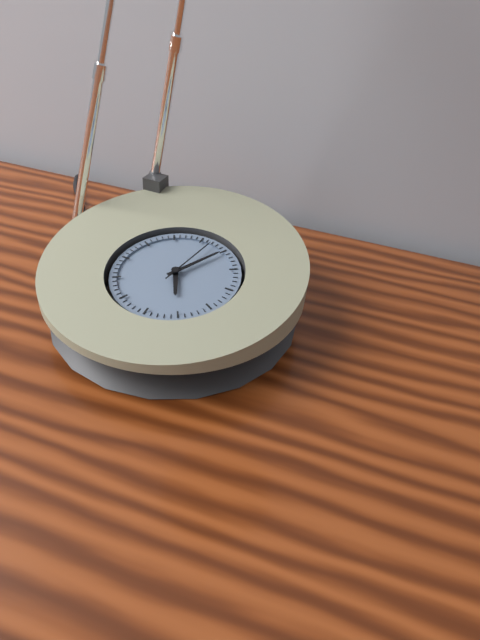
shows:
5,05,02
